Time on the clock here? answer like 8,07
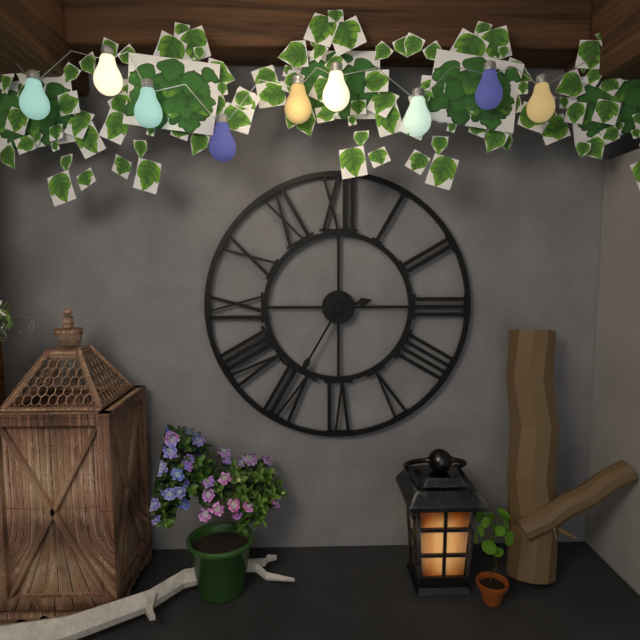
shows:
2,35
